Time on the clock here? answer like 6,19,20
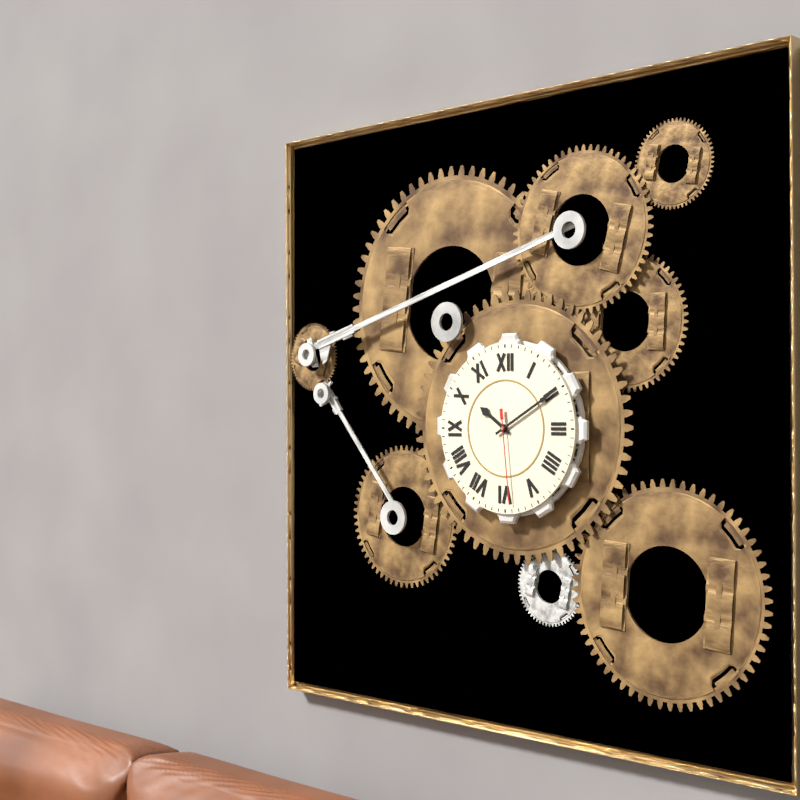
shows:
10,10,29
